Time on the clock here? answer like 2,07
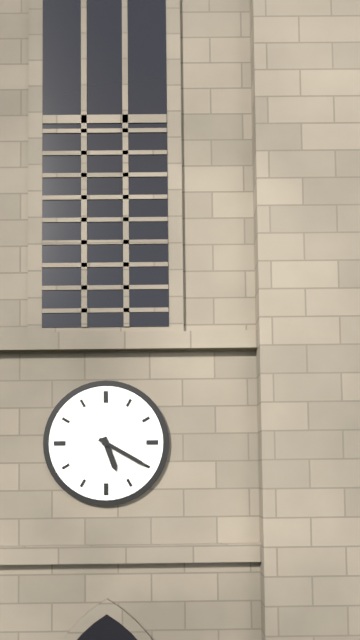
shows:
5,20
